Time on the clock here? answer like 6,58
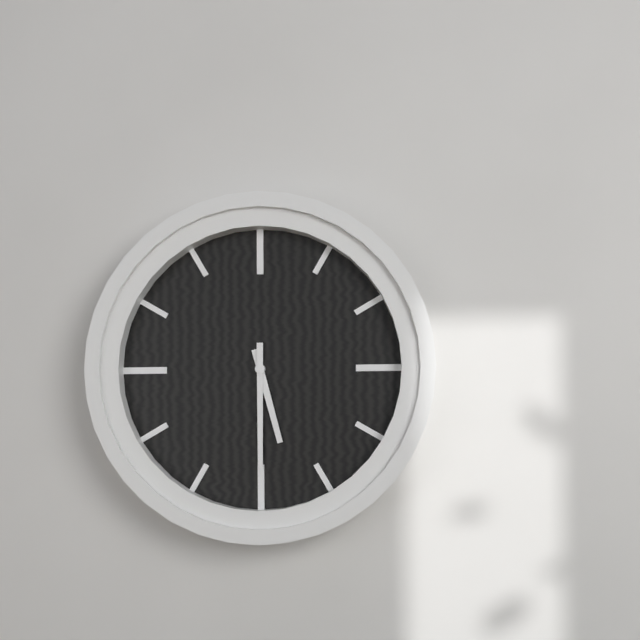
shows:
5,30
